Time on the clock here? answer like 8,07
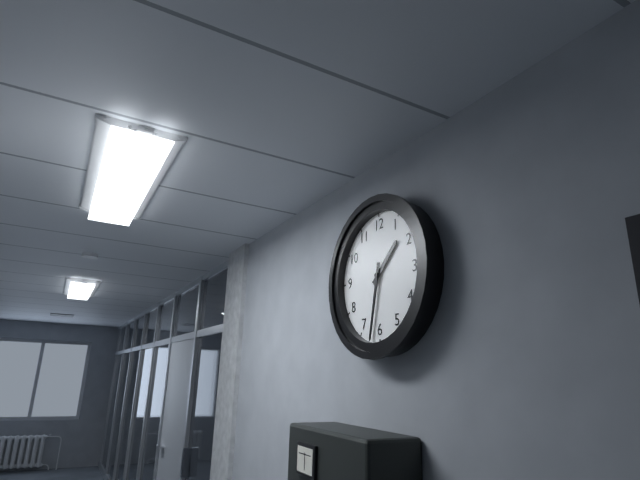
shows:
1,32
